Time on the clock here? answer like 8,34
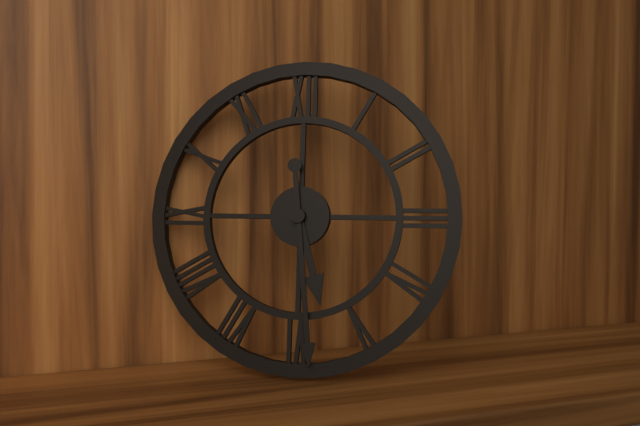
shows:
5,29
